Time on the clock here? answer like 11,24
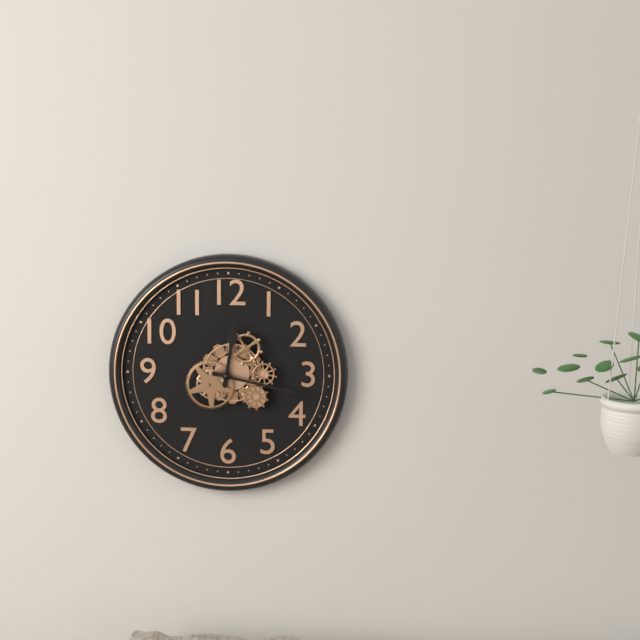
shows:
12,17
